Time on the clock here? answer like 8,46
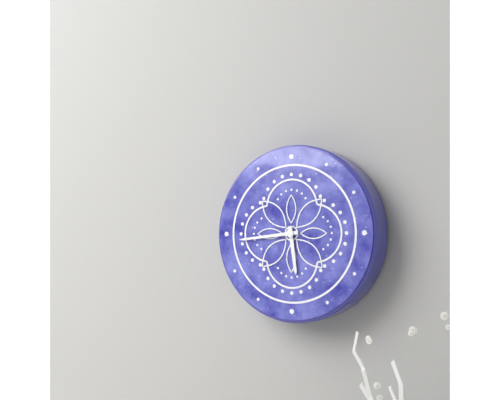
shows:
5,44
